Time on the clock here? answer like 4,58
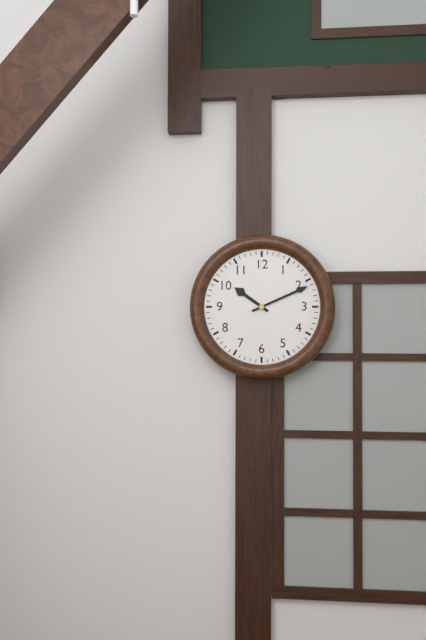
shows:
10,11
